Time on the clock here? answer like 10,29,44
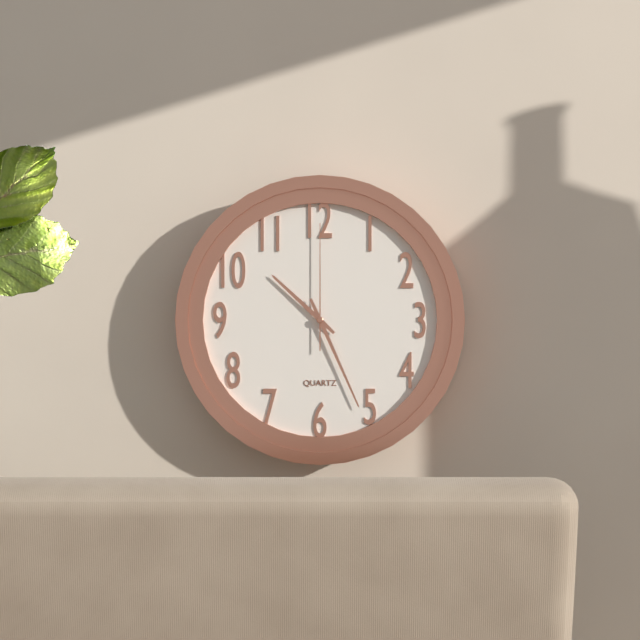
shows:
10,26,00
